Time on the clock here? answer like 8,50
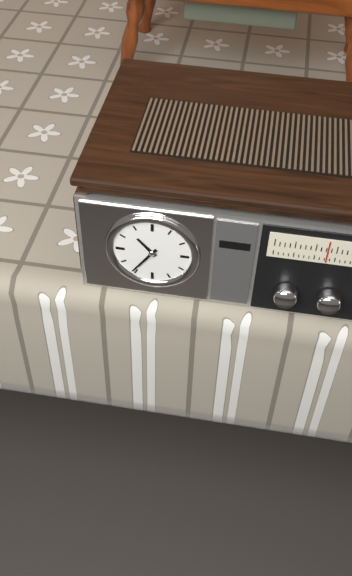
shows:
10,36
